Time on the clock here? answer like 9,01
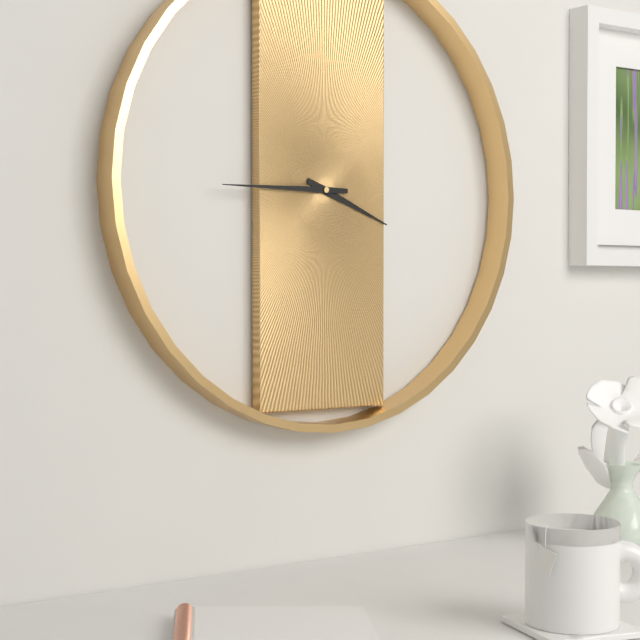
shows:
3,45
